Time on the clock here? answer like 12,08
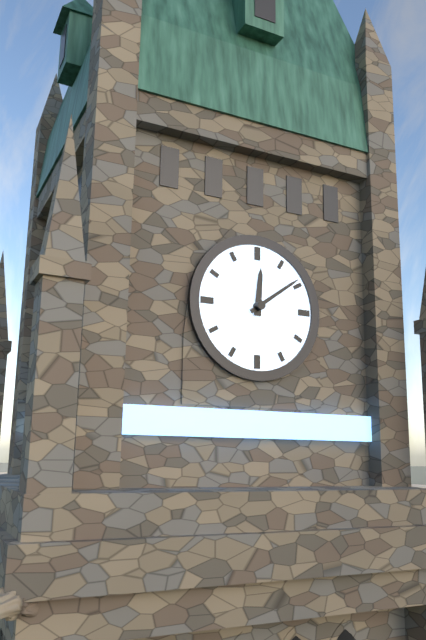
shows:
12,09
